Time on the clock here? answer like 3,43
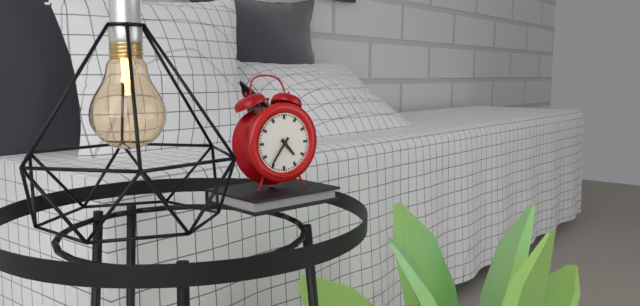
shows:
4,36
